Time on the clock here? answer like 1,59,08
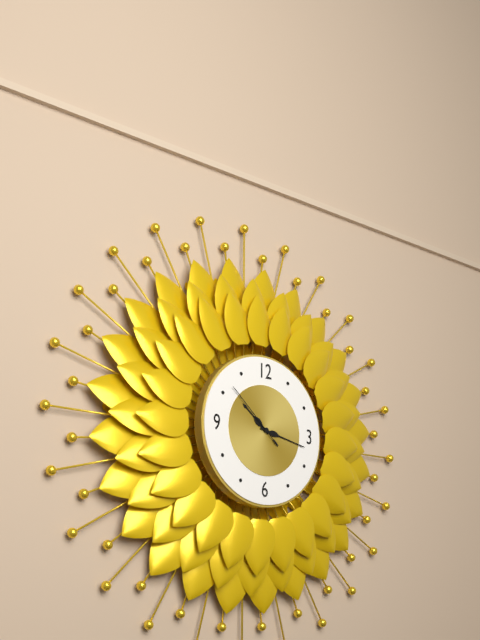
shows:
10,17,52
